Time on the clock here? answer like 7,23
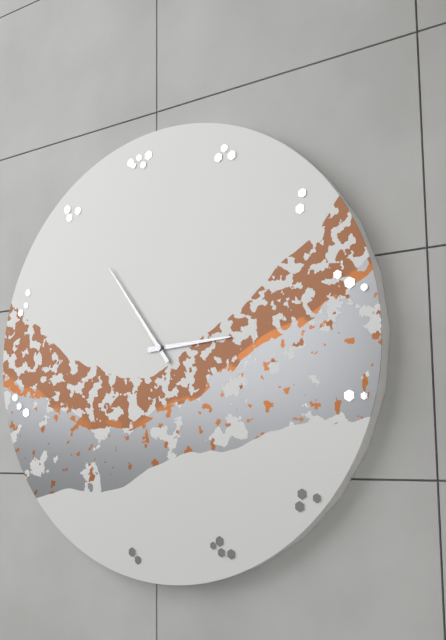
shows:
2,54
